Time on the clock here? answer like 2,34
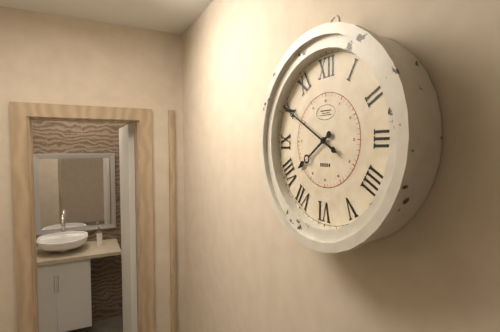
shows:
7,50
